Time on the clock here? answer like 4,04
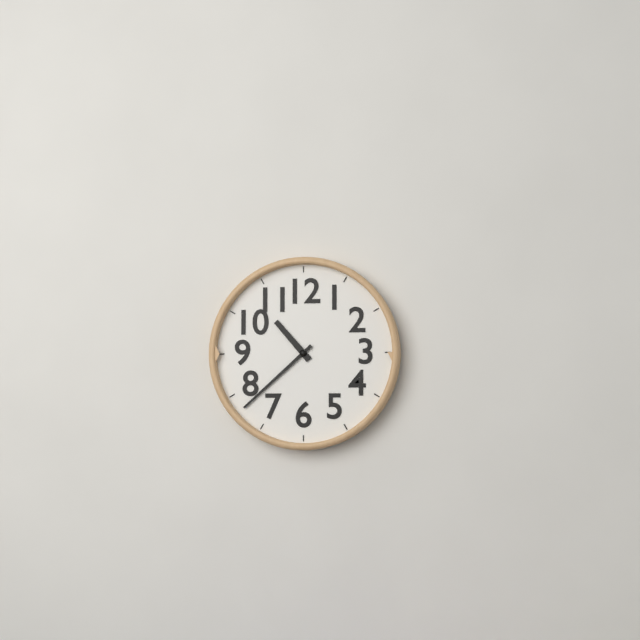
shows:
10,38
